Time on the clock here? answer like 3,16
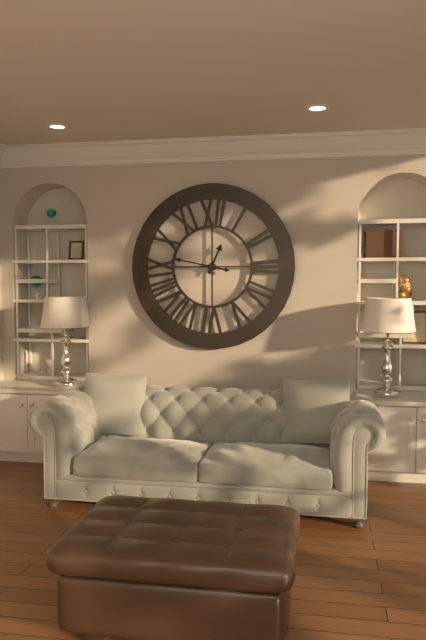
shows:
12,47
